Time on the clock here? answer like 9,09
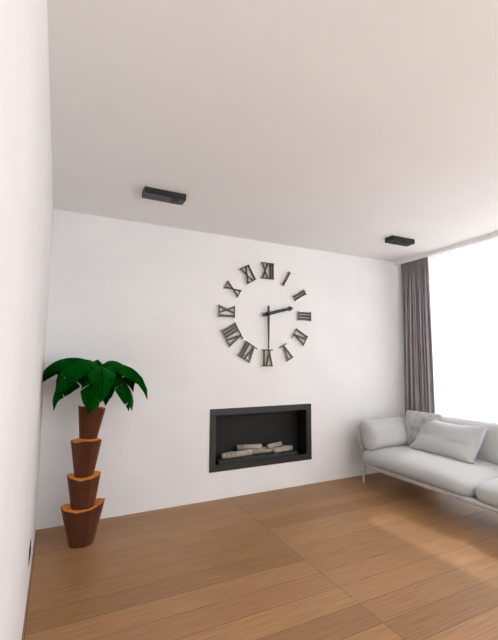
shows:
2,30
